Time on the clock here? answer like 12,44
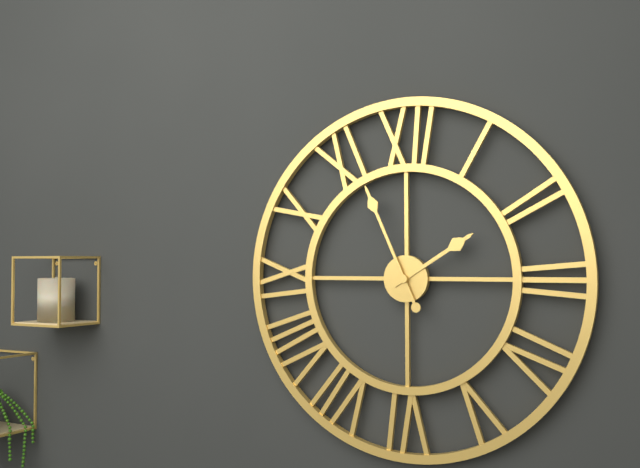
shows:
1,56
